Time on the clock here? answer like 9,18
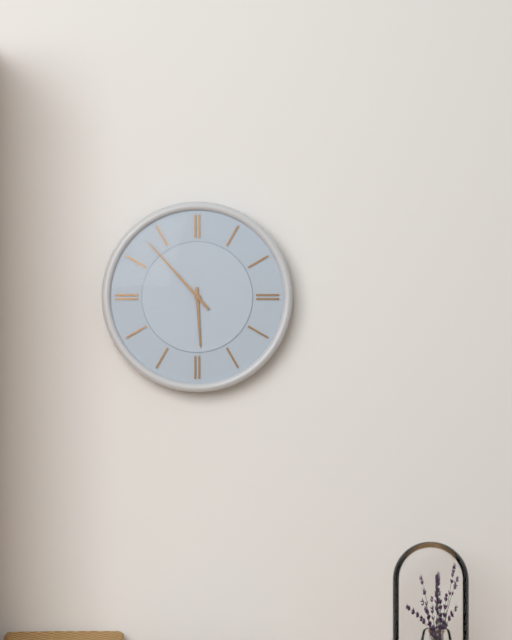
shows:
5,53
